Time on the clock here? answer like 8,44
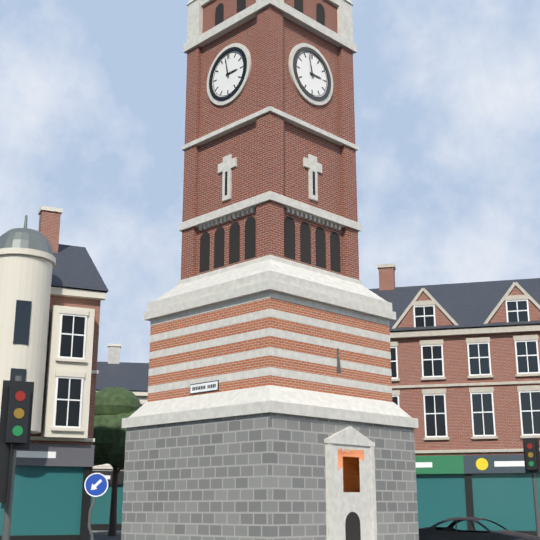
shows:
2,58
